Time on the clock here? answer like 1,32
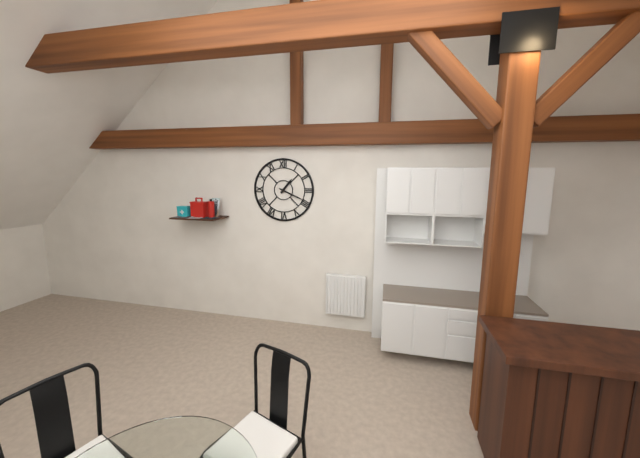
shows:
1,19
